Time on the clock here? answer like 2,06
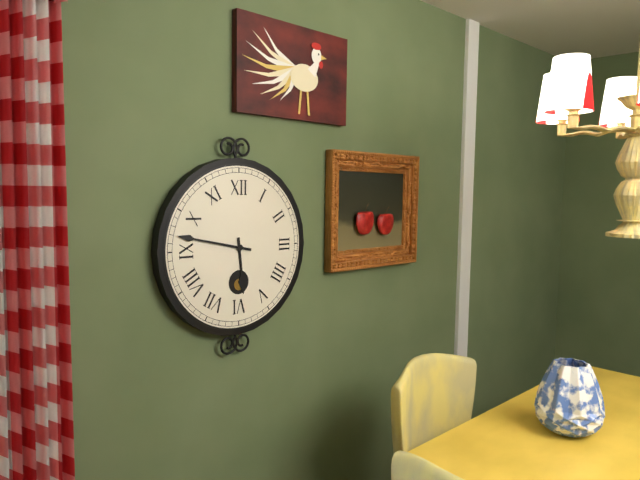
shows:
5,47
